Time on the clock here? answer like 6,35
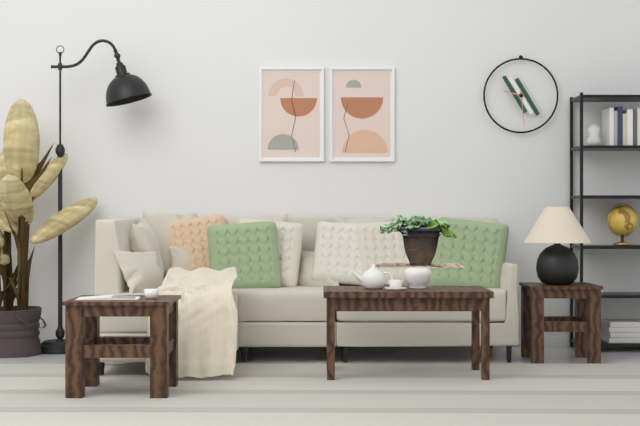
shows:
9,29
